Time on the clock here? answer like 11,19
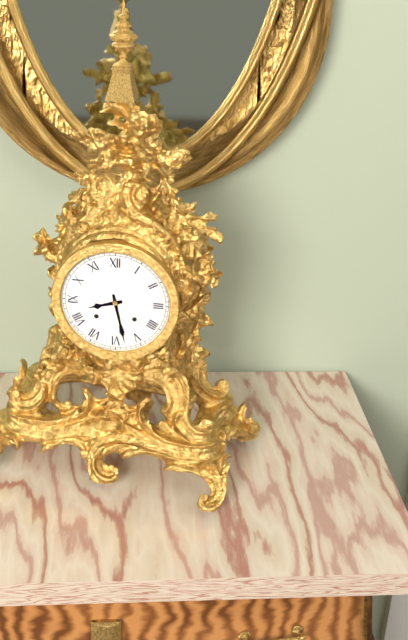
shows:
8,28
